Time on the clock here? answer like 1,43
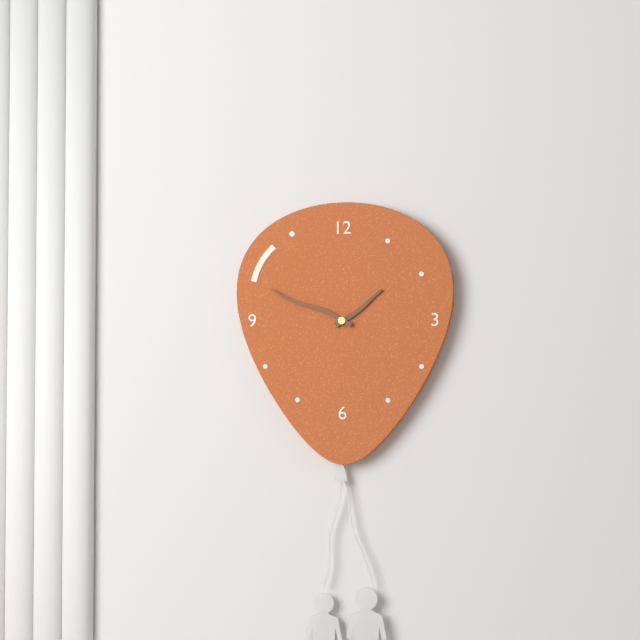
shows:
1,49
